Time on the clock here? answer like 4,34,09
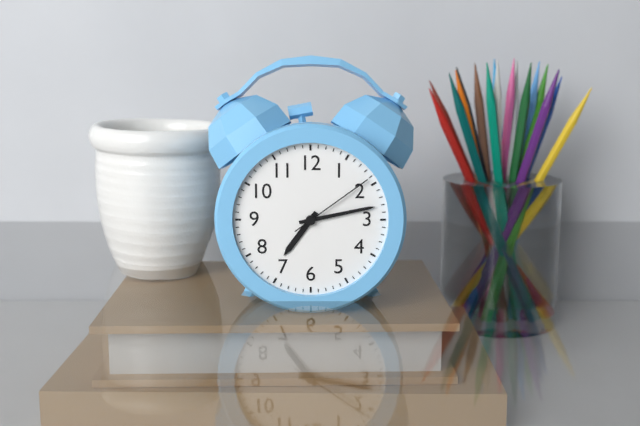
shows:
7,13,09
